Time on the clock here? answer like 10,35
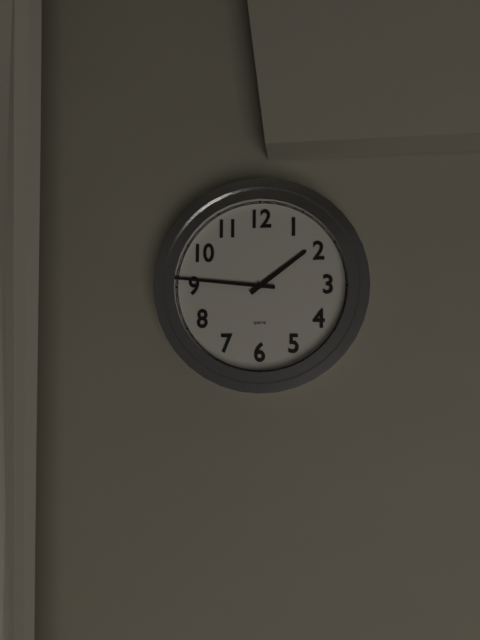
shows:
1,46
